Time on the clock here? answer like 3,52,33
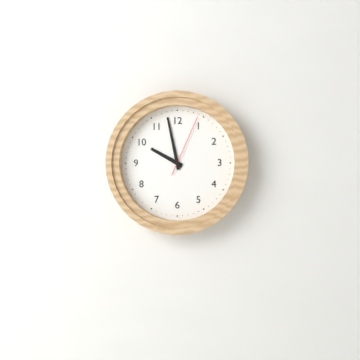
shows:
9,58,04
